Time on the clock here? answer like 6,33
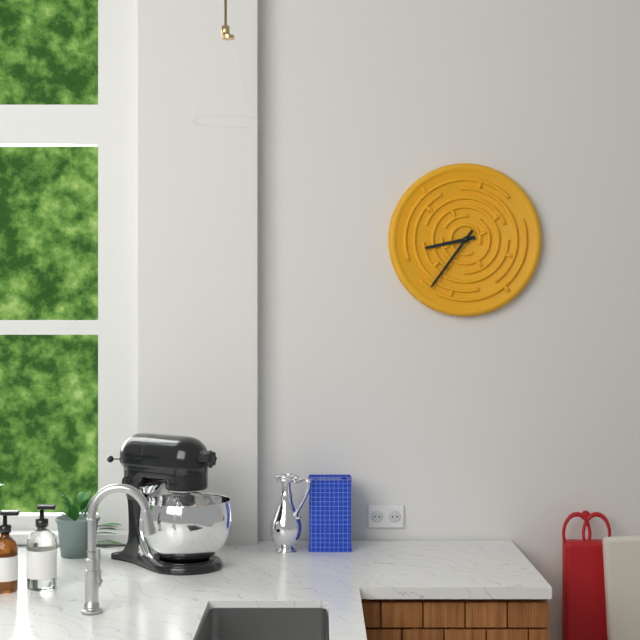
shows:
8,36
